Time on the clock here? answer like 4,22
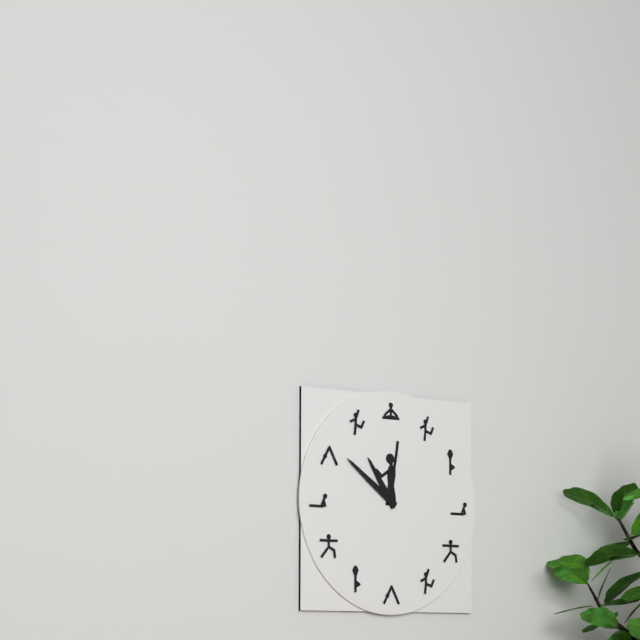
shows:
10,51
